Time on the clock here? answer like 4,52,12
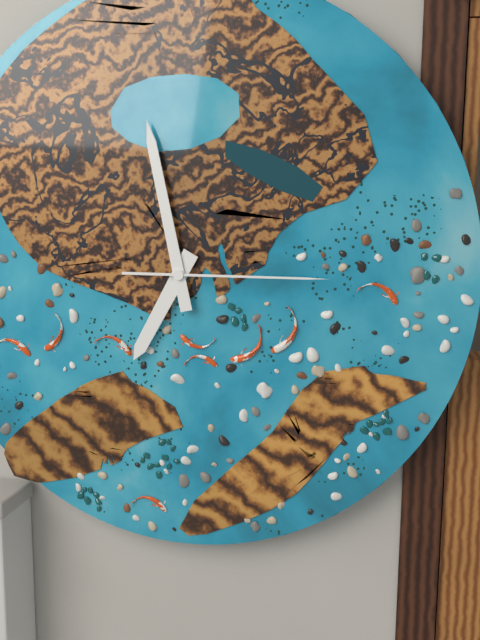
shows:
6,58,15
